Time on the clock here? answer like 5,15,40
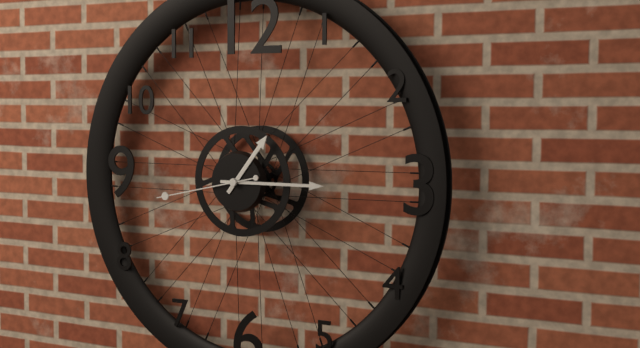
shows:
1,15,43
